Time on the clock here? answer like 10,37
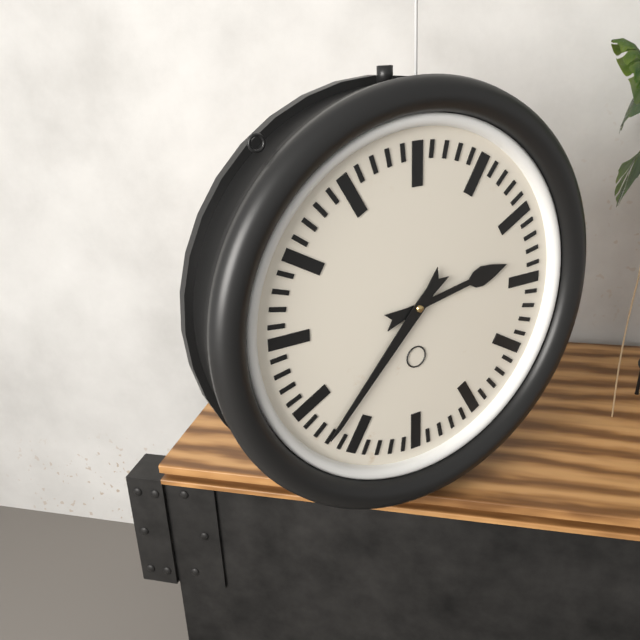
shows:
2,37
